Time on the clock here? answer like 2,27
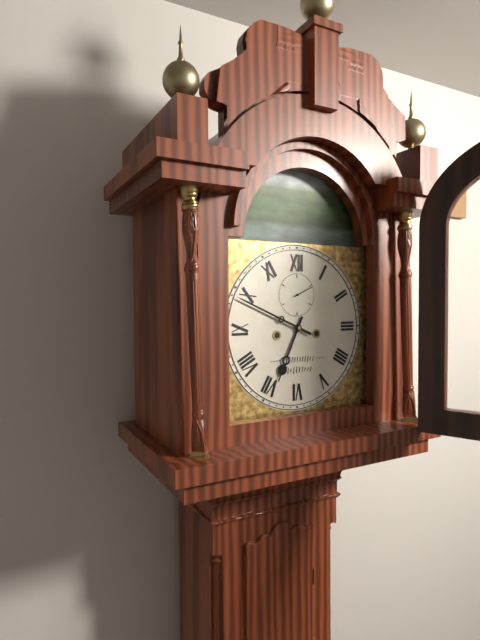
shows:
6,49
